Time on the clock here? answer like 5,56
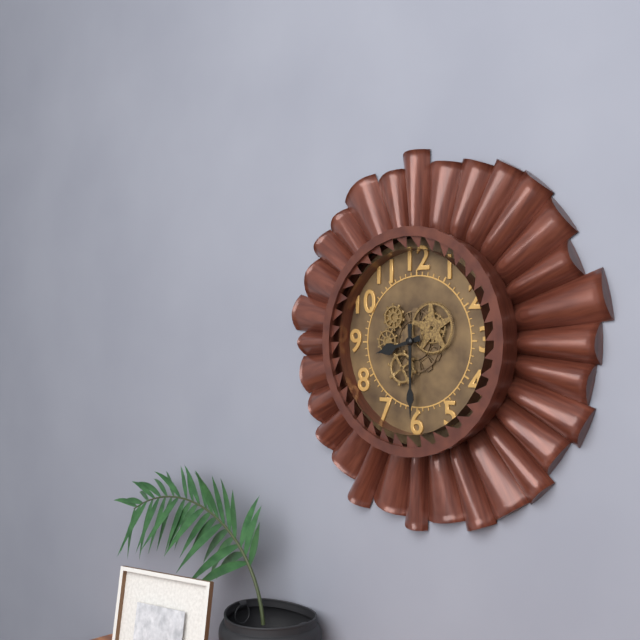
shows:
8,30
